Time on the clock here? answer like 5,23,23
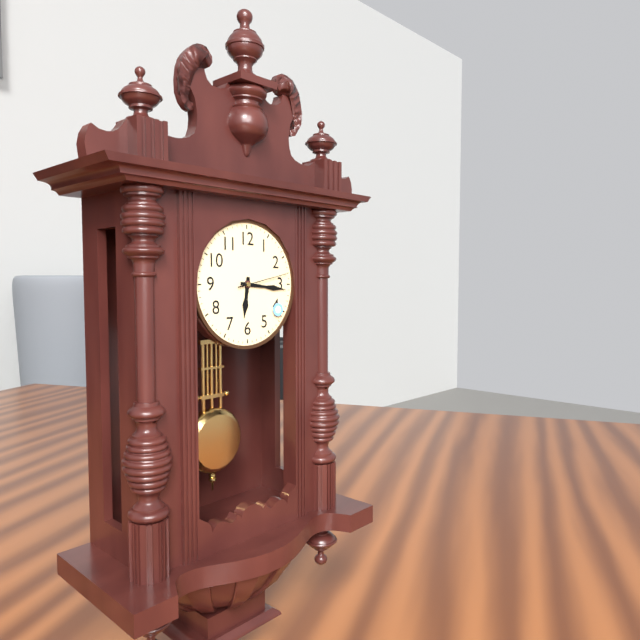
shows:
6,16,13
